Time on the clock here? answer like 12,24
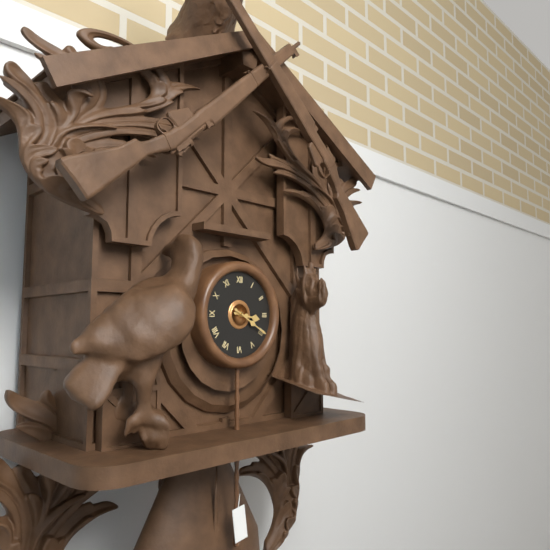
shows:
3,20
